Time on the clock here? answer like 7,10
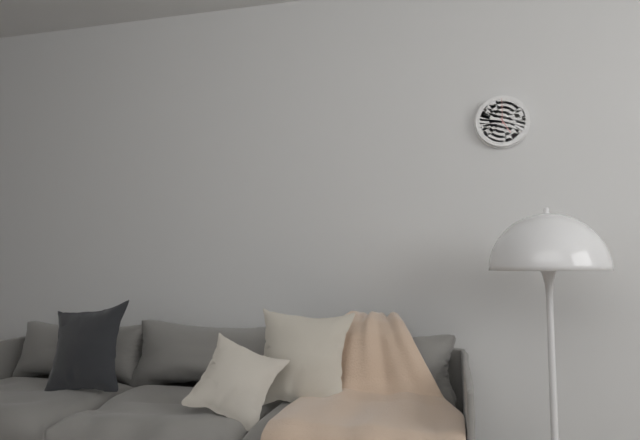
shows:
5,00
